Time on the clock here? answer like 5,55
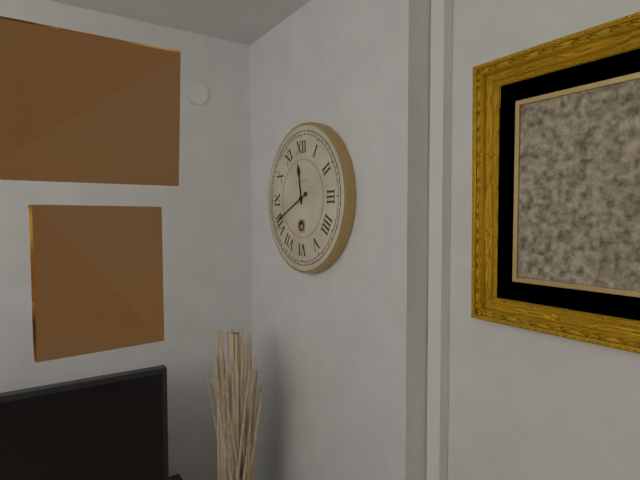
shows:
11,41
